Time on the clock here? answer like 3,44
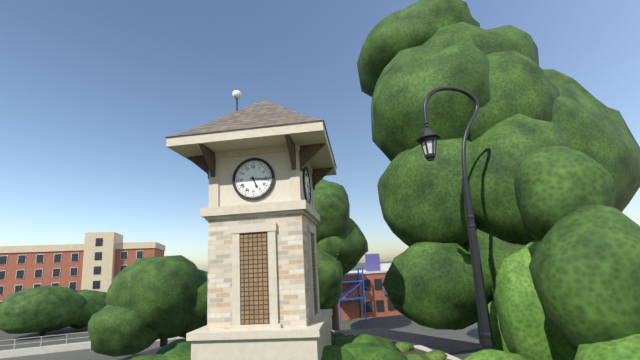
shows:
5,16
